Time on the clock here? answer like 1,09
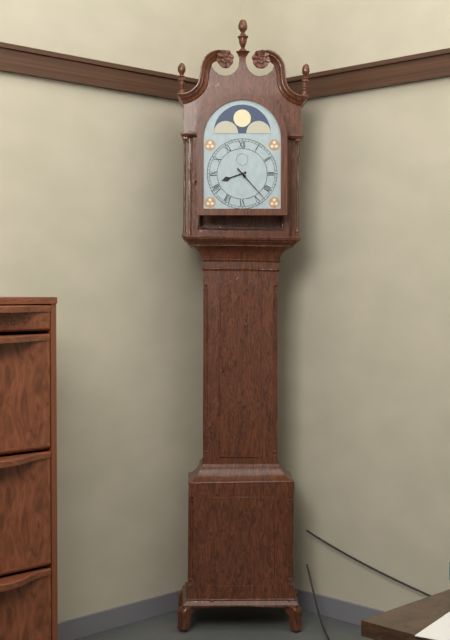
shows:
8,23
